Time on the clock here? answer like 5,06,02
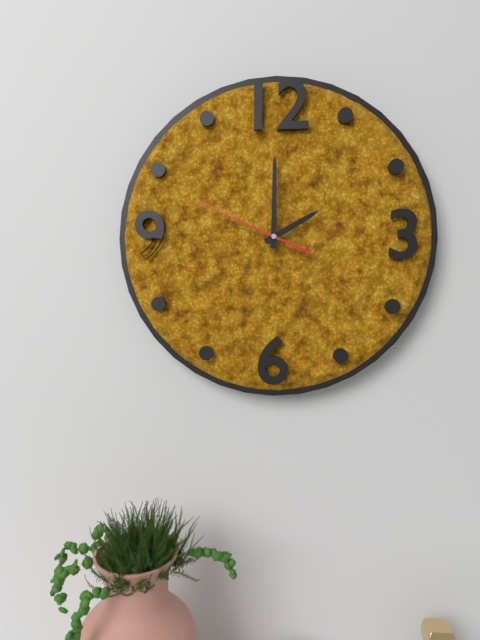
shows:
2,00,49
